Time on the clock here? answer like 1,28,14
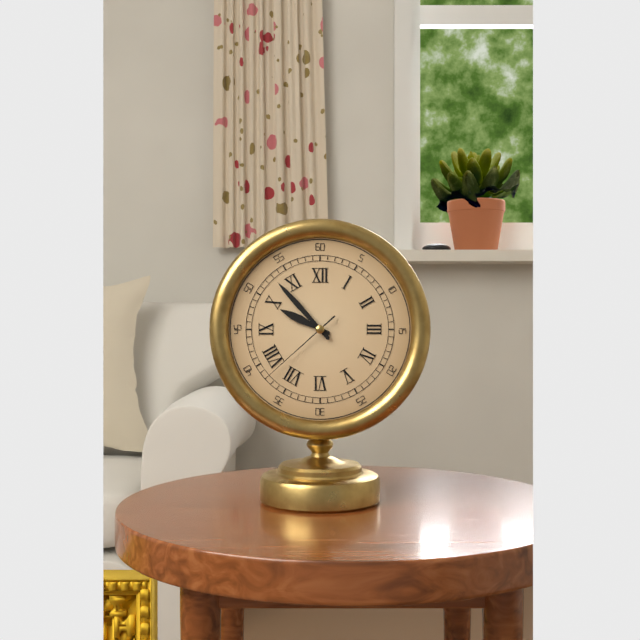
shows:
9,53,38
